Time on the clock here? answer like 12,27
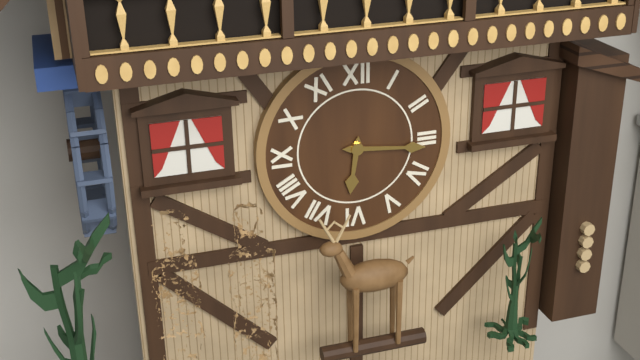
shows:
6,16
